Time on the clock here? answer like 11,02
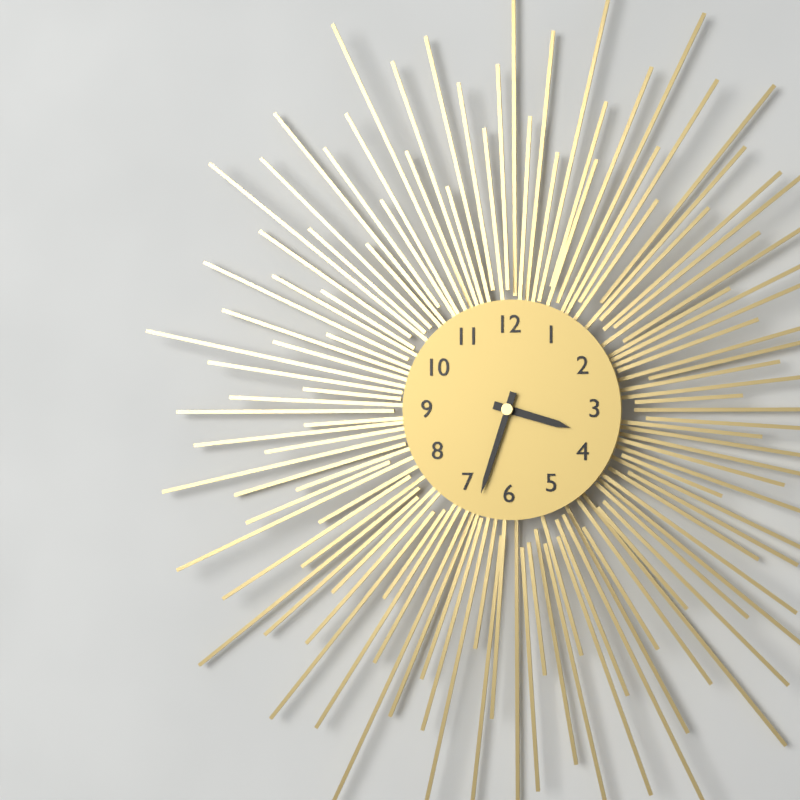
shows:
3,33
